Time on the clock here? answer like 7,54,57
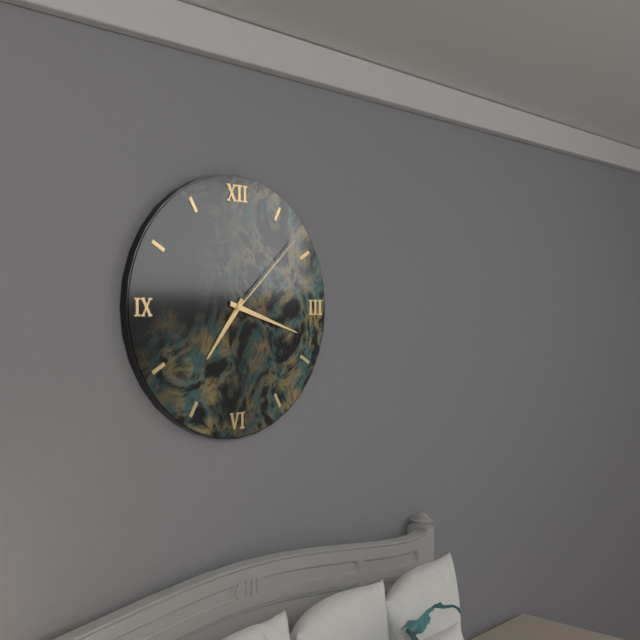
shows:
7,18,08
